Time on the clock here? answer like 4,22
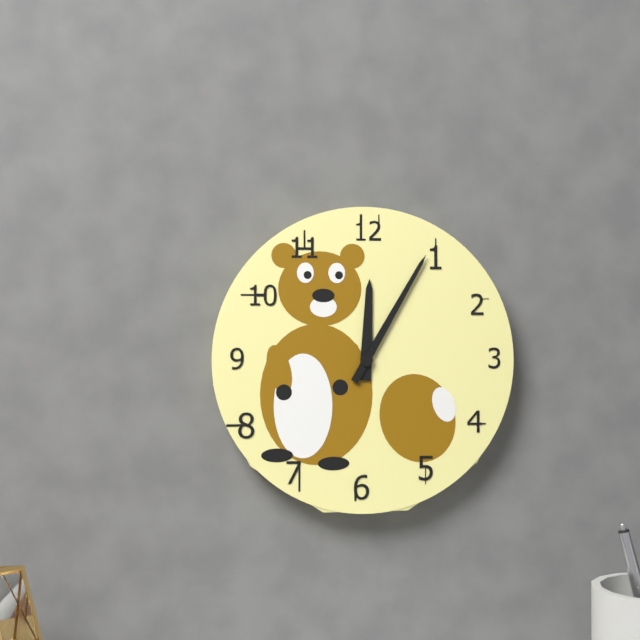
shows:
12,05
